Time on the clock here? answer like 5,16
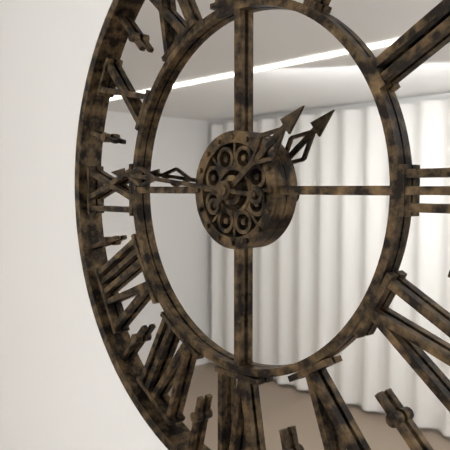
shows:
1,46
